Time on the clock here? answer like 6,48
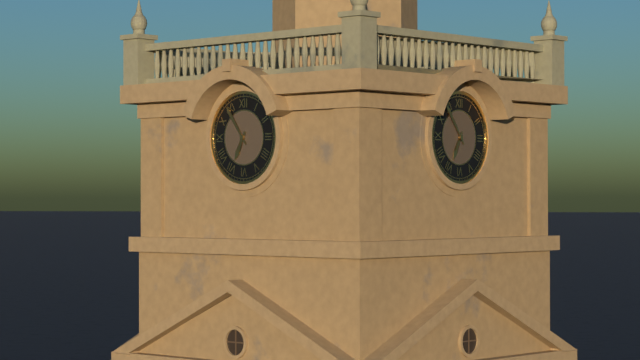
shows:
6,54
